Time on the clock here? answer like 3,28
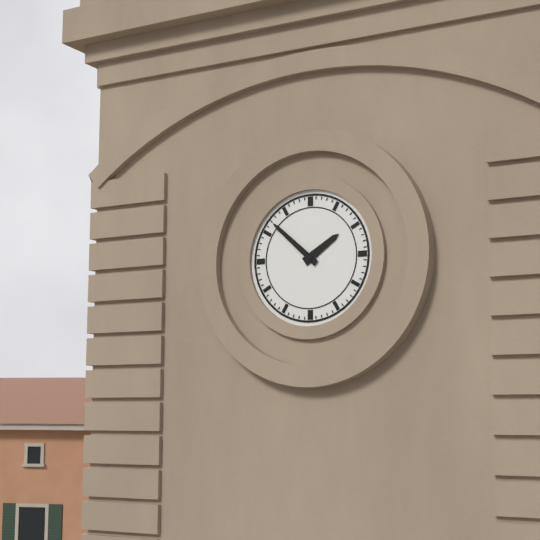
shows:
1,52
